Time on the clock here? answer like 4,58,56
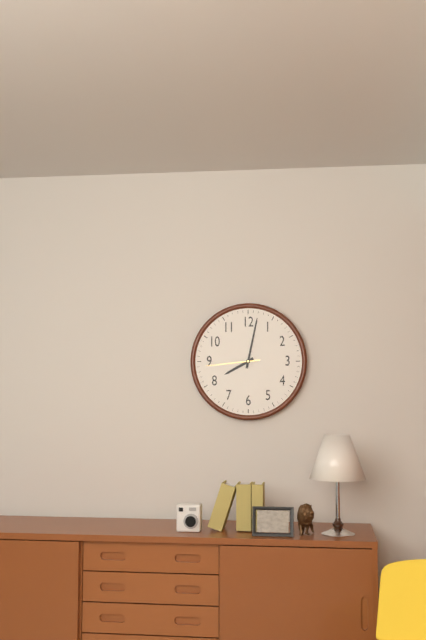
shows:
8,02,44
